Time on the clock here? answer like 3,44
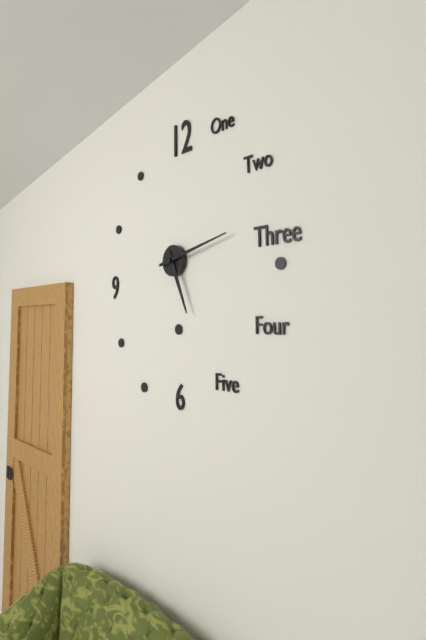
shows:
5,13
